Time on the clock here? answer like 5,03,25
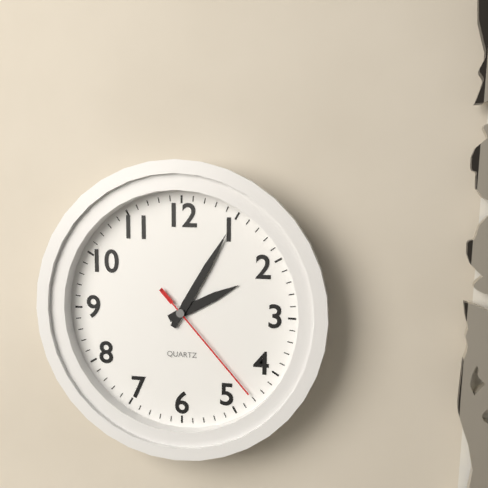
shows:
2,05,23
